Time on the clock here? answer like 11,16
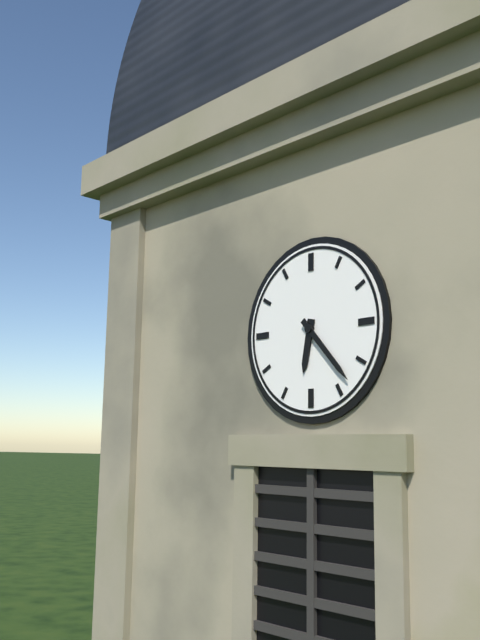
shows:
6,23
